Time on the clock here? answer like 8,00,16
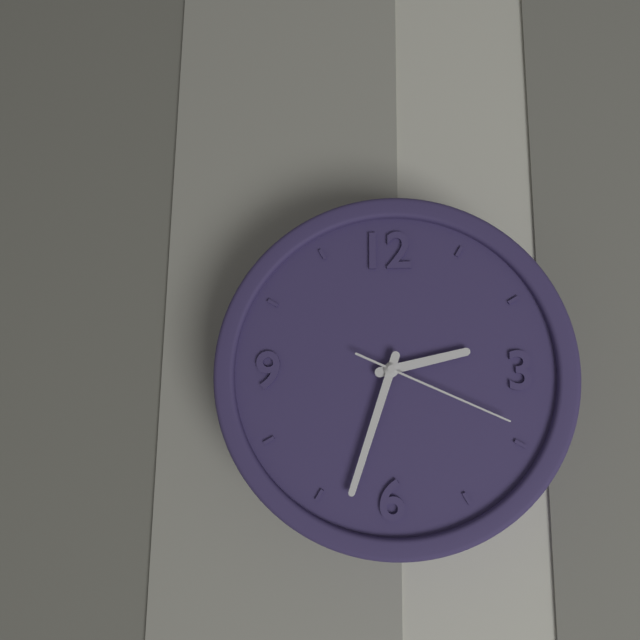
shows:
2,33,19
